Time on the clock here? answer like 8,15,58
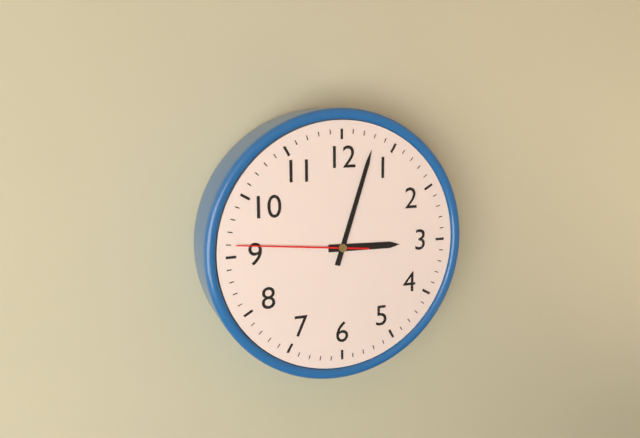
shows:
3,03,46
